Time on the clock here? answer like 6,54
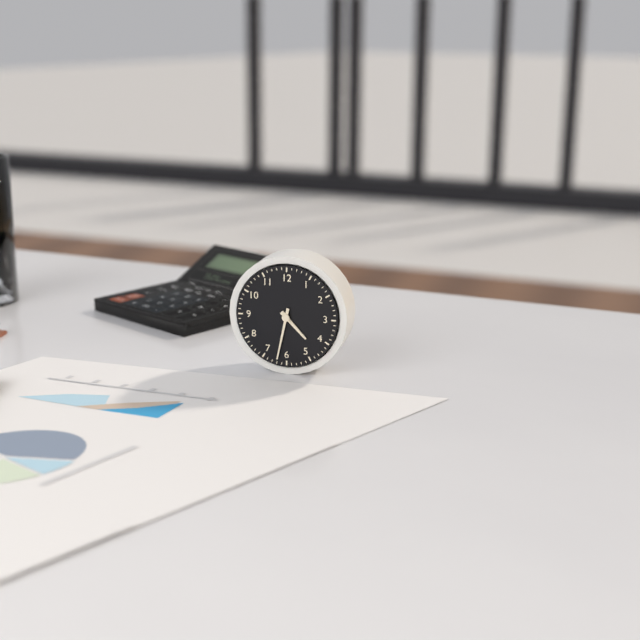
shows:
4,32
